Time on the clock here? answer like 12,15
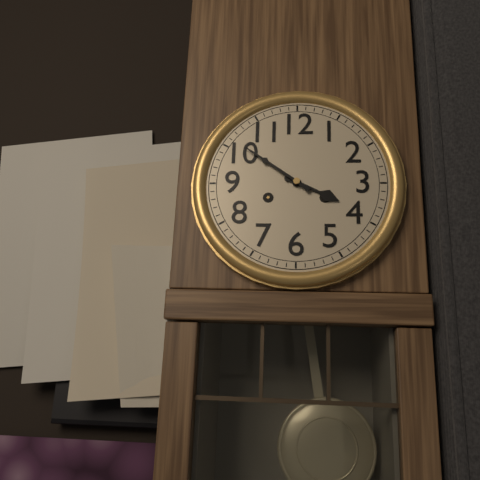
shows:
3,51
